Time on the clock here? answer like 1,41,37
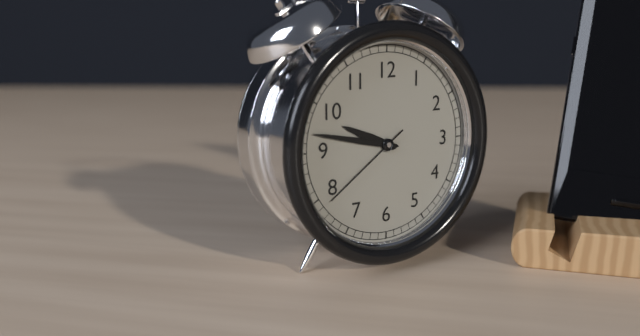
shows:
9,47,39
